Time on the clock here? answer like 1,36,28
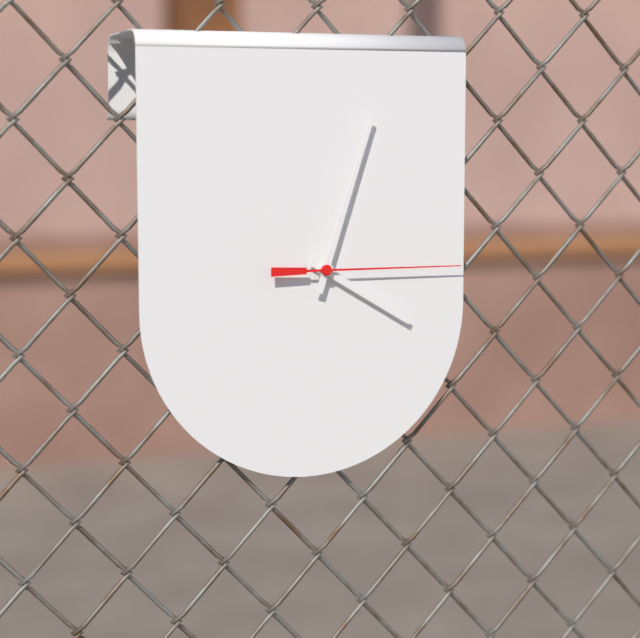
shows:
4,03,15
